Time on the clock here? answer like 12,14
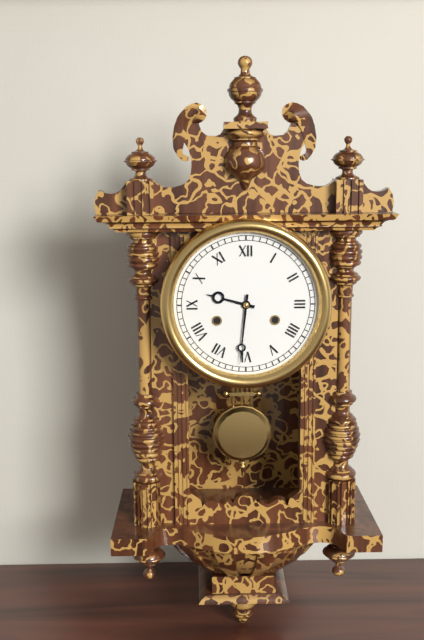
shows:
9,31
